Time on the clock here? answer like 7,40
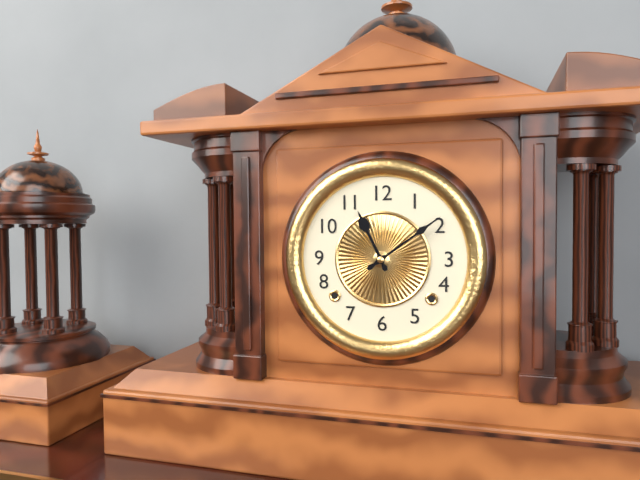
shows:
11,09
